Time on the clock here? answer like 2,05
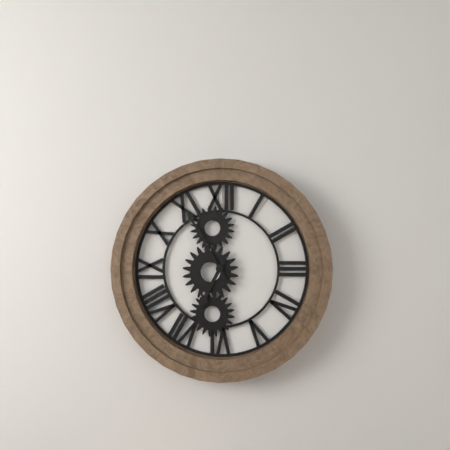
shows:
6,55
